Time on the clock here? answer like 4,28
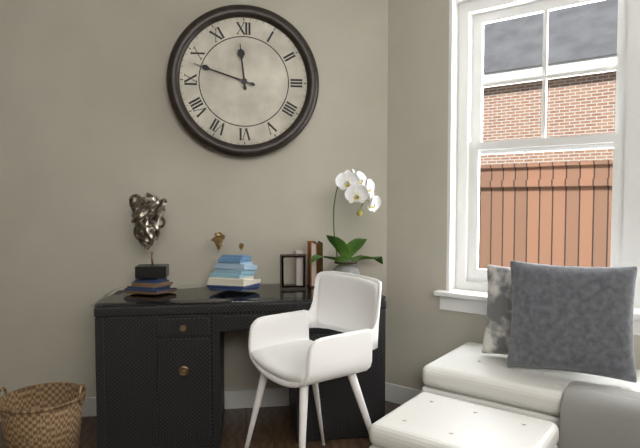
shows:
11,48
